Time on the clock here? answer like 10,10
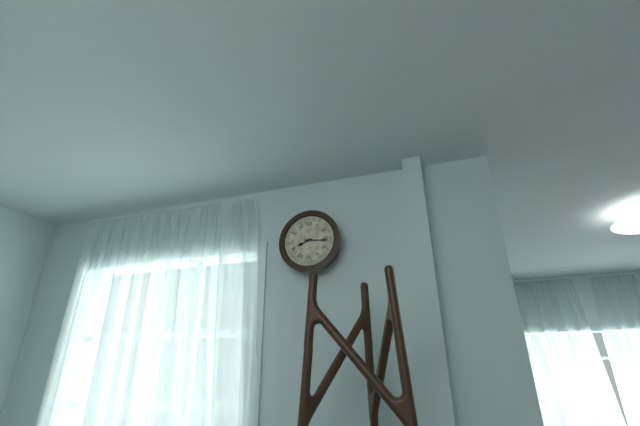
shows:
8,16
